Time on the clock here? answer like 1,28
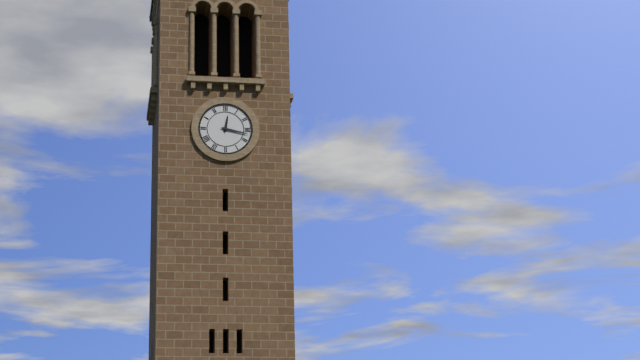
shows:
12,17
